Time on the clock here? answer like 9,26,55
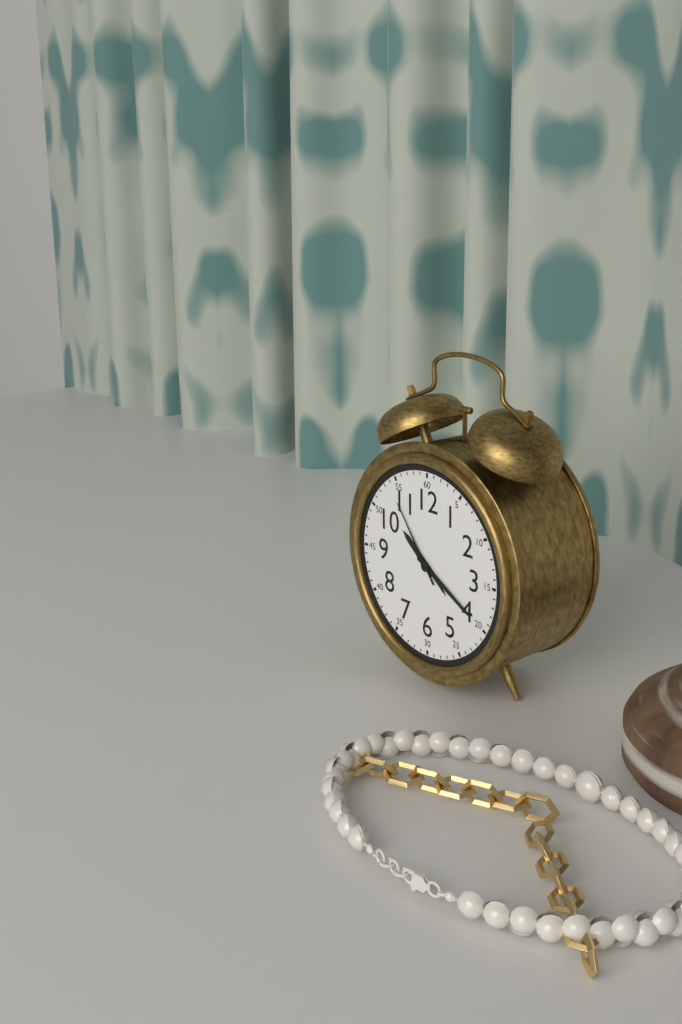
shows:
10,20,54
